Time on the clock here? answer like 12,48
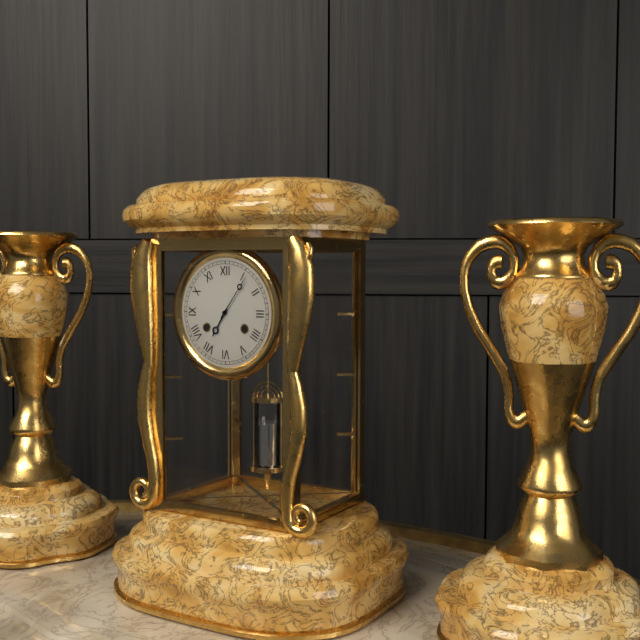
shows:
7,06
